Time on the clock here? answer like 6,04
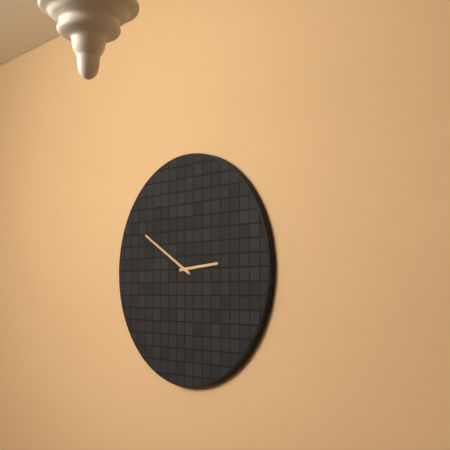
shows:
2,50
